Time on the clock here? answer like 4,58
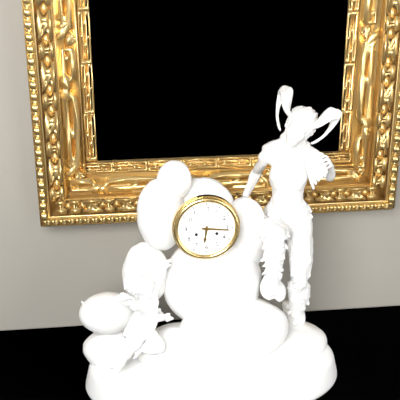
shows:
6,16
